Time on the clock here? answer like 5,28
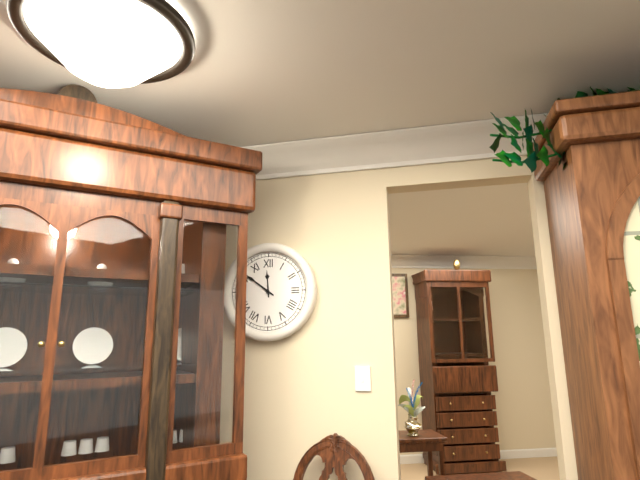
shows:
11,51
